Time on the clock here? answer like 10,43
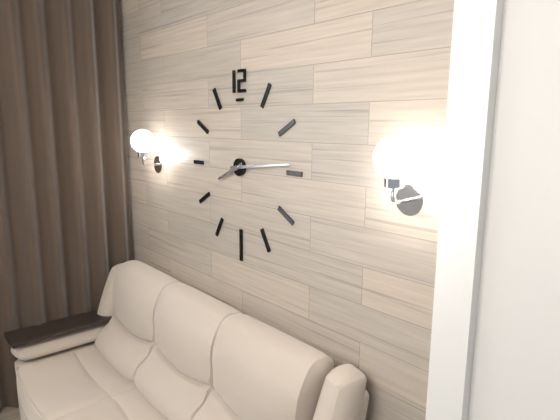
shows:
8,14
